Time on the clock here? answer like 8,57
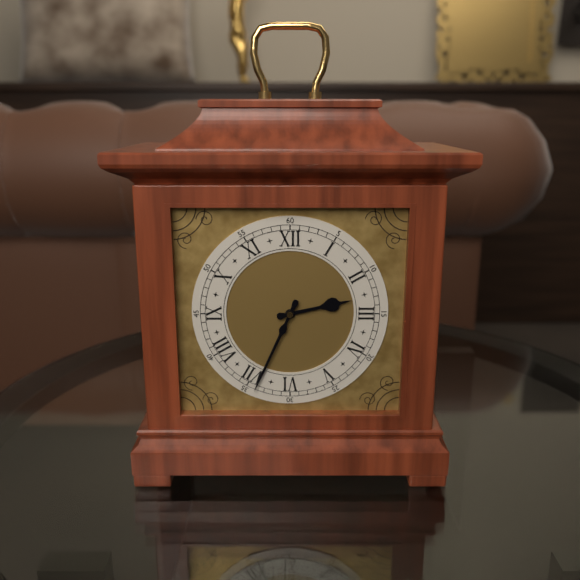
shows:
2,34
